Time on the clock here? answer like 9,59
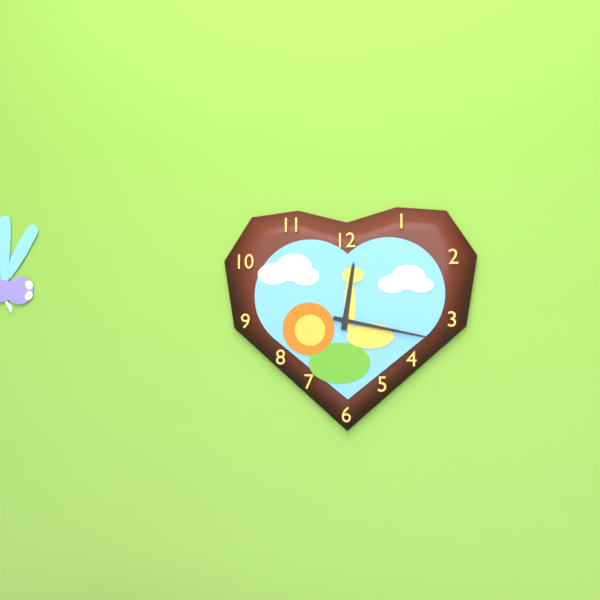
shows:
12,17
